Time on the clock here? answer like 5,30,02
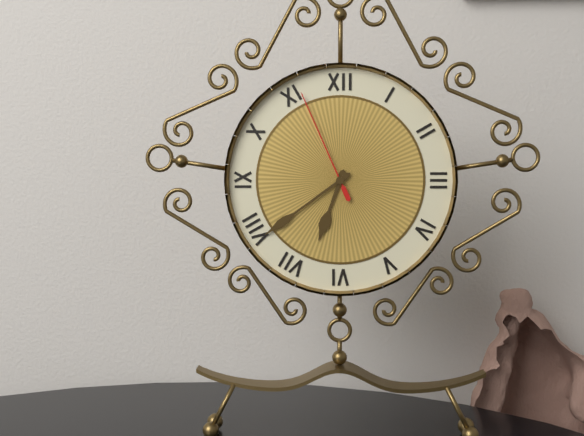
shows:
6,39,56
